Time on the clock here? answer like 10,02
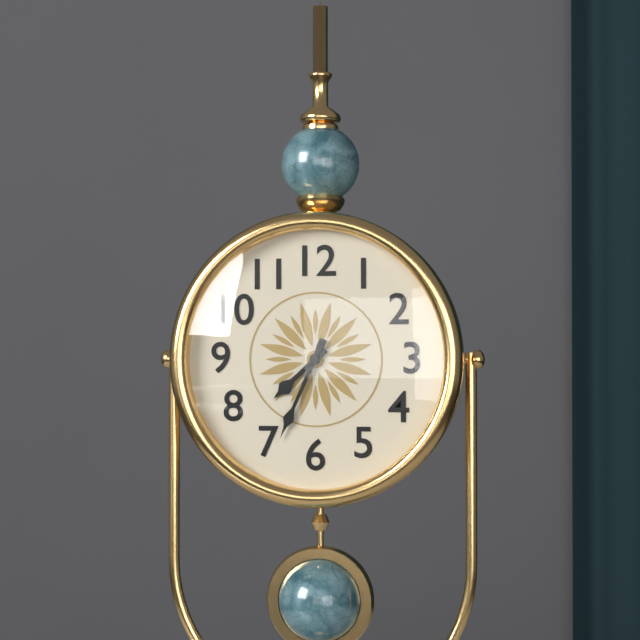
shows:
7,34
